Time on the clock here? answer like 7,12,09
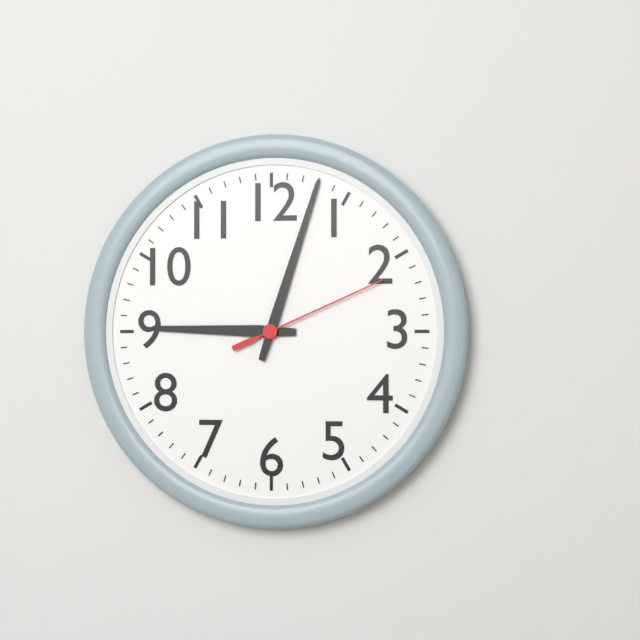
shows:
9,03,11
